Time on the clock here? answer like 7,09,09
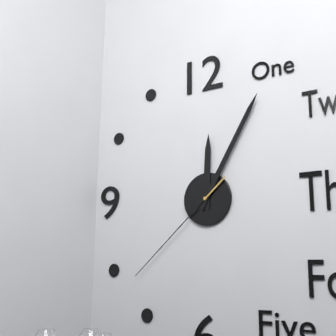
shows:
12,05,38
